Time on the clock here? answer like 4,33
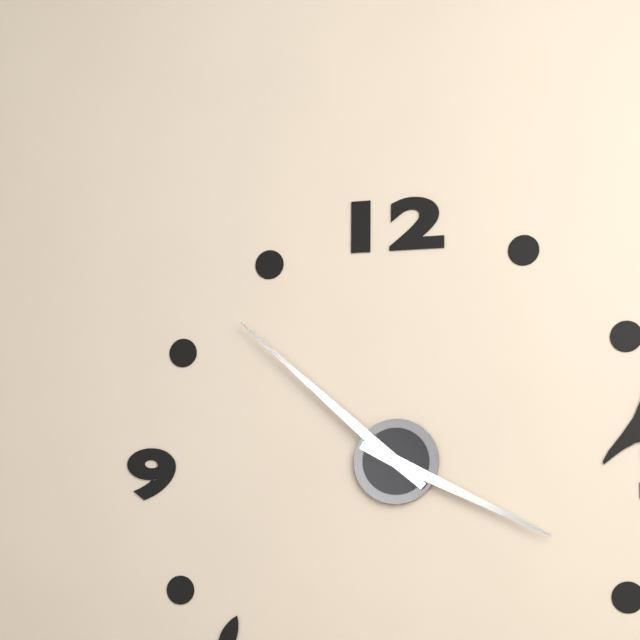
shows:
3,52
